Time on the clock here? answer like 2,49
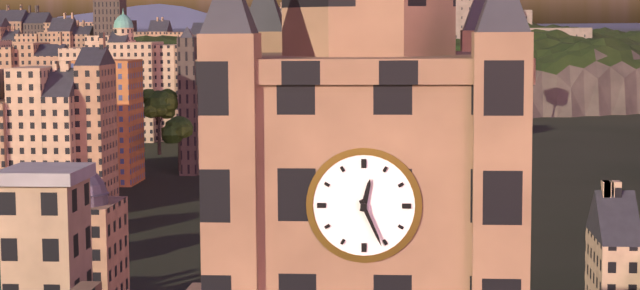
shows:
12,26
